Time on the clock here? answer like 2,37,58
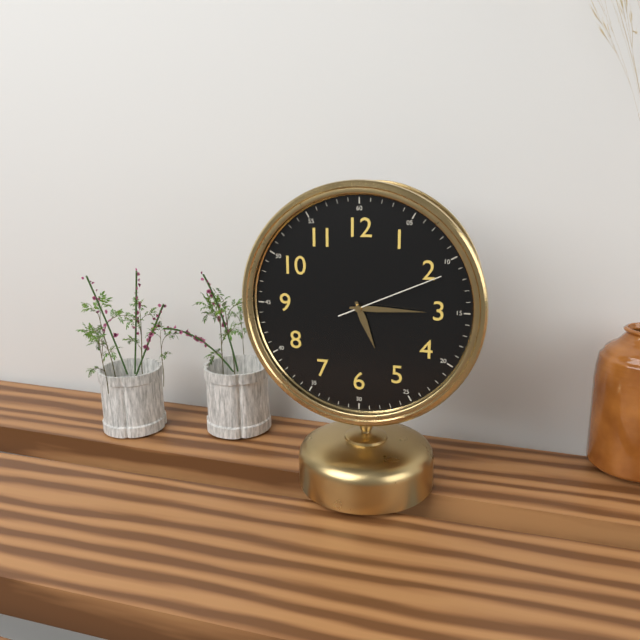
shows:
5,15,11
